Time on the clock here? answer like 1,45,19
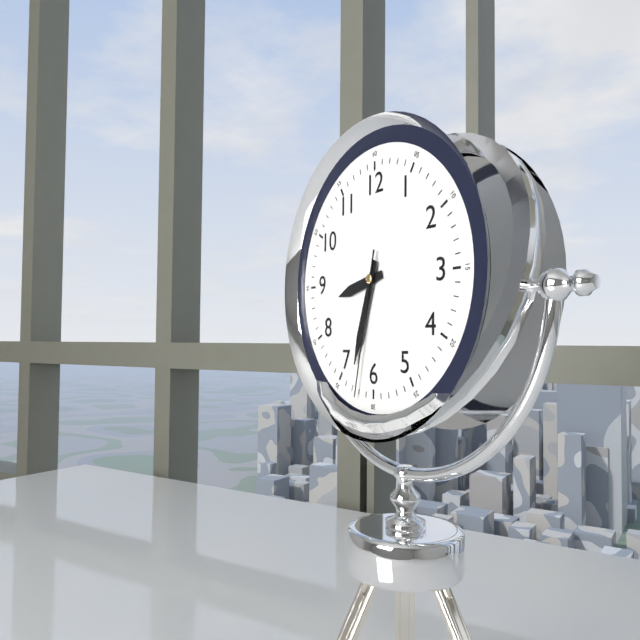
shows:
8,33,32
